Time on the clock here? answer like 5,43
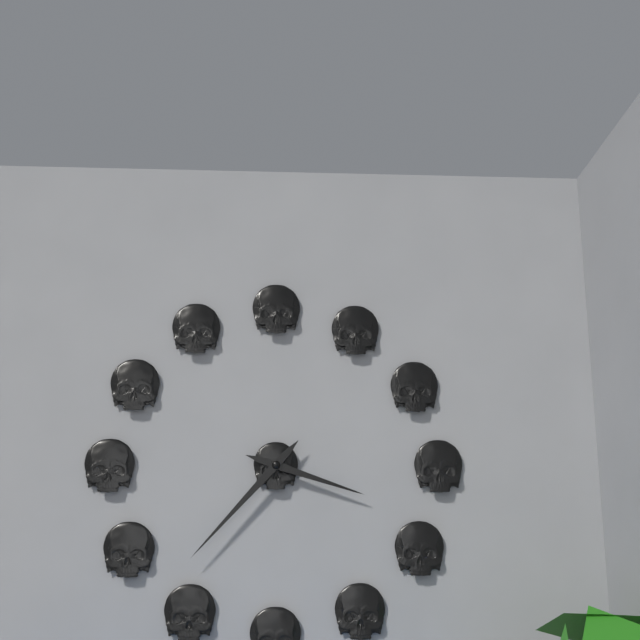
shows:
3,37
